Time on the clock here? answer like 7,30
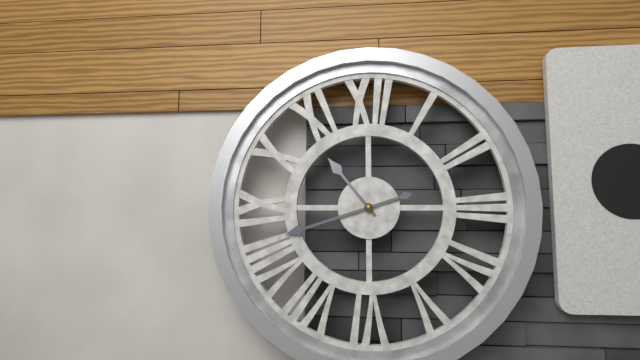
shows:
10,42
